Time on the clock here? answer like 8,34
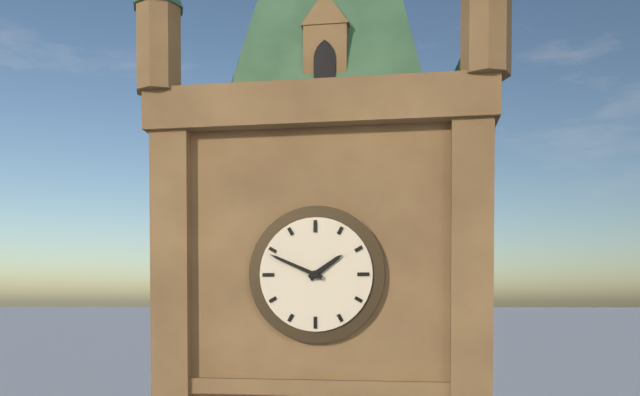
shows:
1,49
